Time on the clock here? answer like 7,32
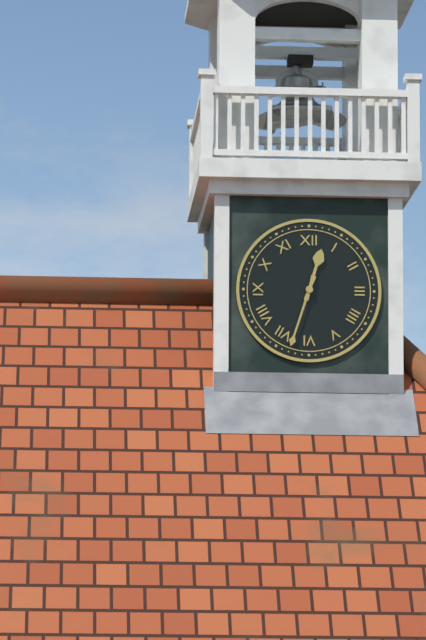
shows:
12,33
